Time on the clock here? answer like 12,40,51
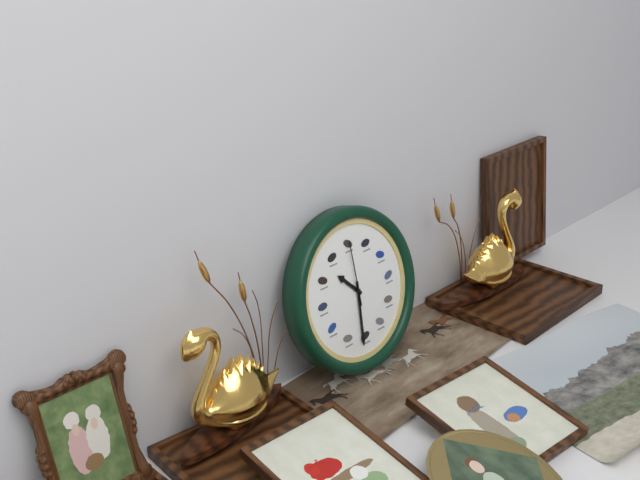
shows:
10,31,00
